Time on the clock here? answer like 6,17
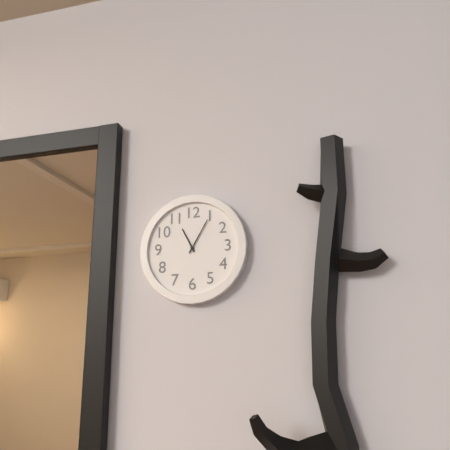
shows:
11,05
